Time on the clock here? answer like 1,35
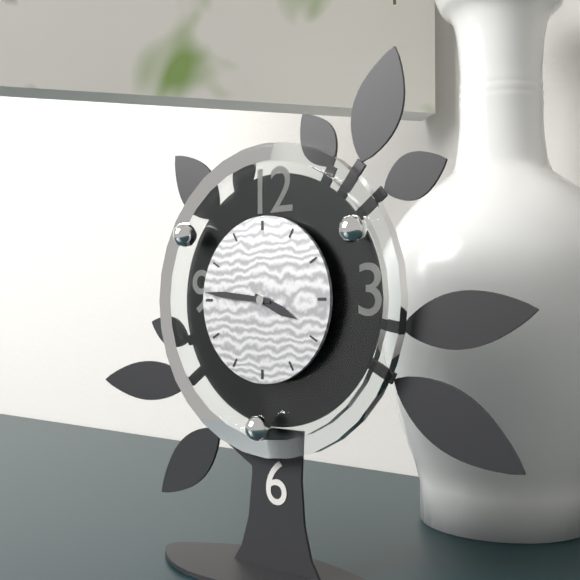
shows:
3,46
